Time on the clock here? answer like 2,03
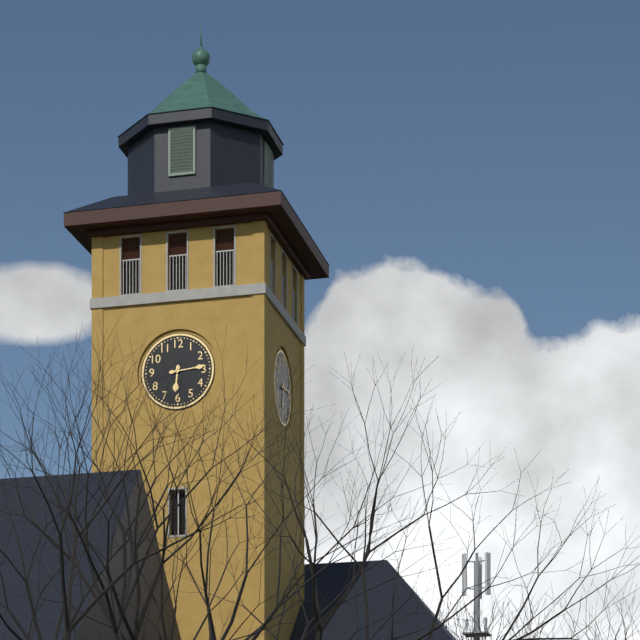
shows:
6,14
